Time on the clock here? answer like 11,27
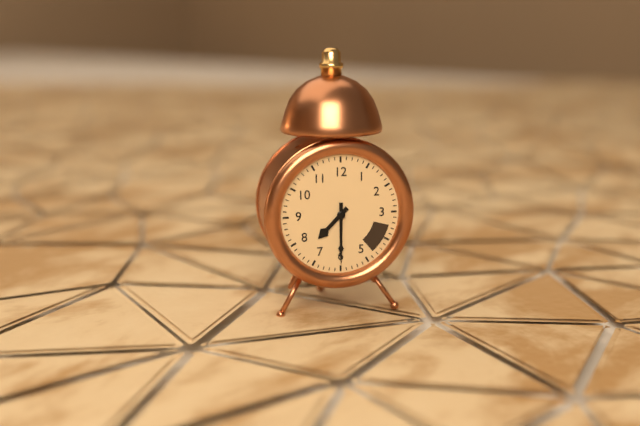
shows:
7,30
